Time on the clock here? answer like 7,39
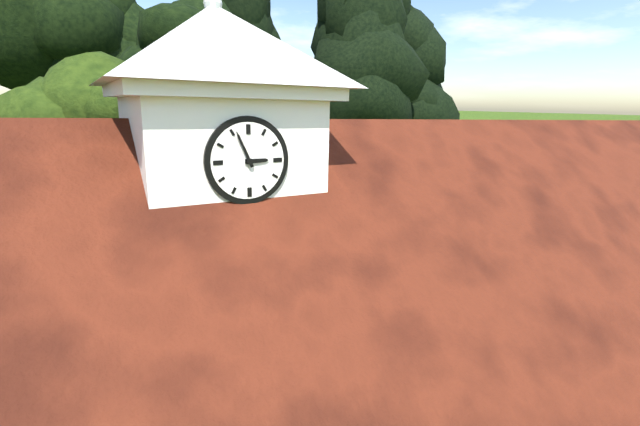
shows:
2,56
